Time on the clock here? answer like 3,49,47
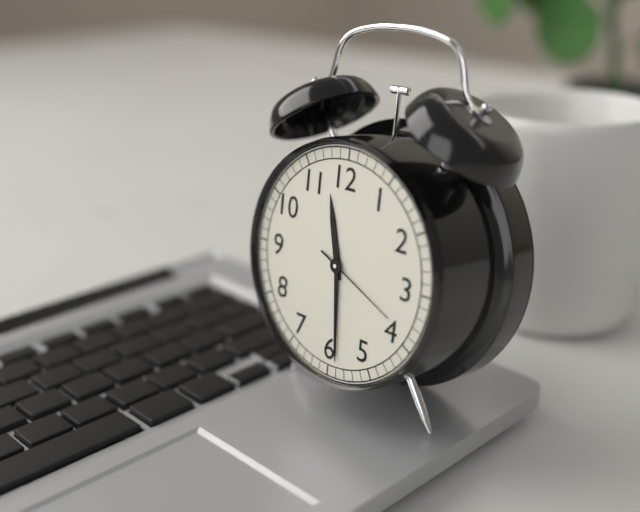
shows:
11,29,19
